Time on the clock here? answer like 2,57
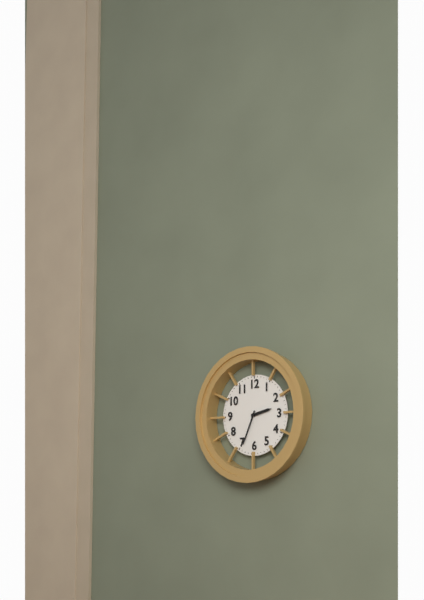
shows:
2,34
